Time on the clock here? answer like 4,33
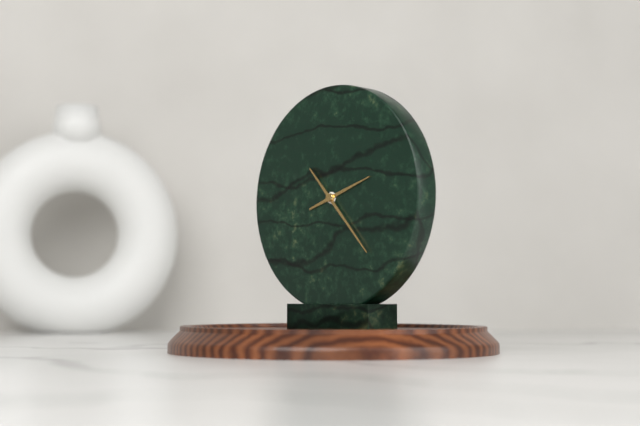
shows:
2,23
